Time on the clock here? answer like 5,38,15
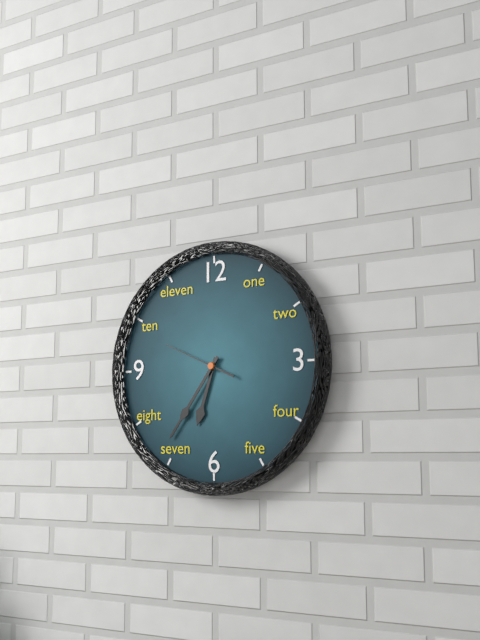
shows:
6,36,49
